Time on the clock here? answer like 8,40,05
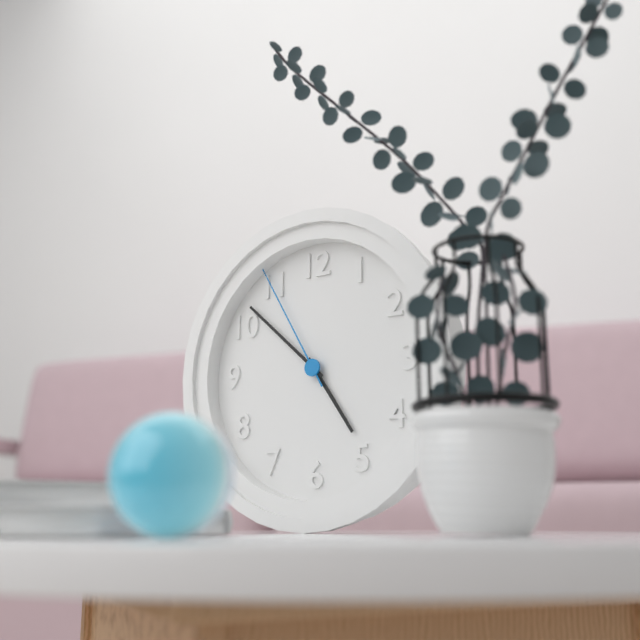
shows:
4,52,55
